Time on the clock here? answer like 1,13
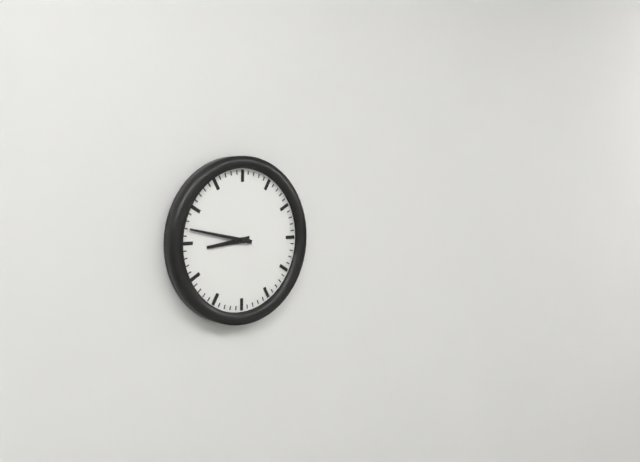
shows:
8,47
